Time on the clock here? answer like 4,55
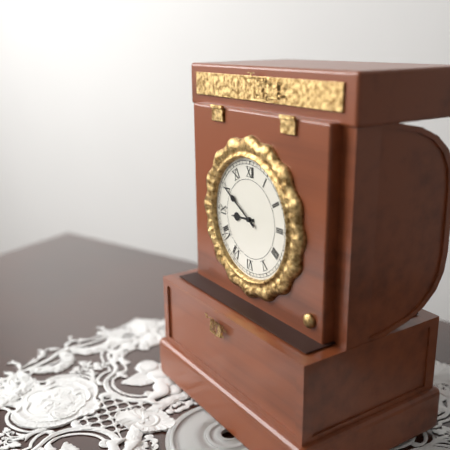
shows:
8,50
